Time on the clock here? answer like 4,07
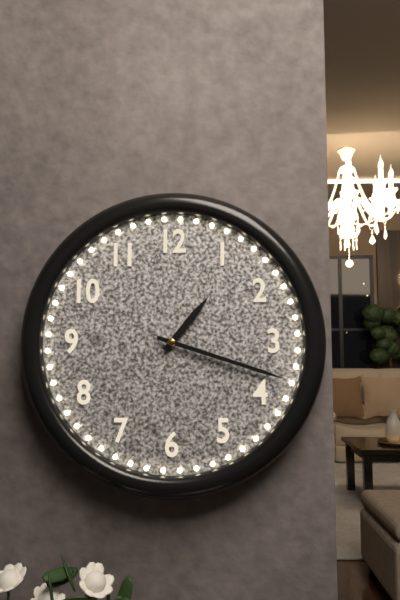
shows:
1,18
